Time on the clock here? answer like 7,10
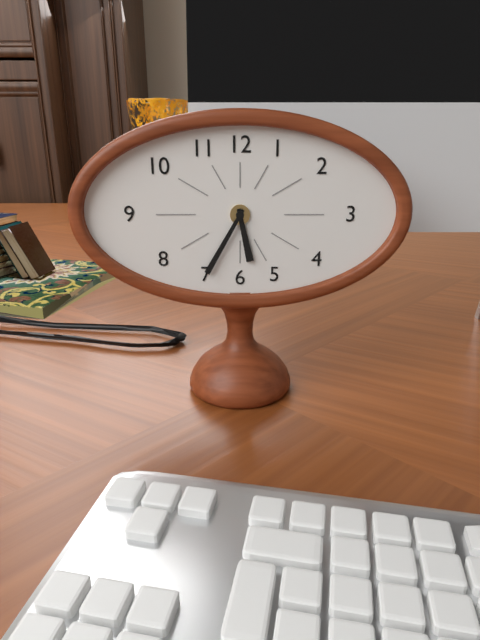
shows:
5,35
